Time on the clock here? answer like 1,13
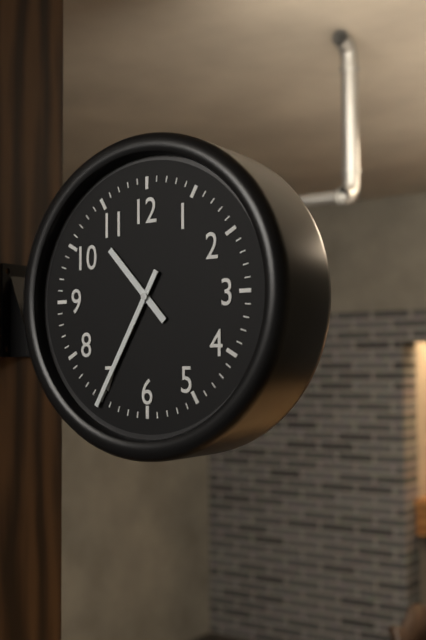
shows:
10,35
